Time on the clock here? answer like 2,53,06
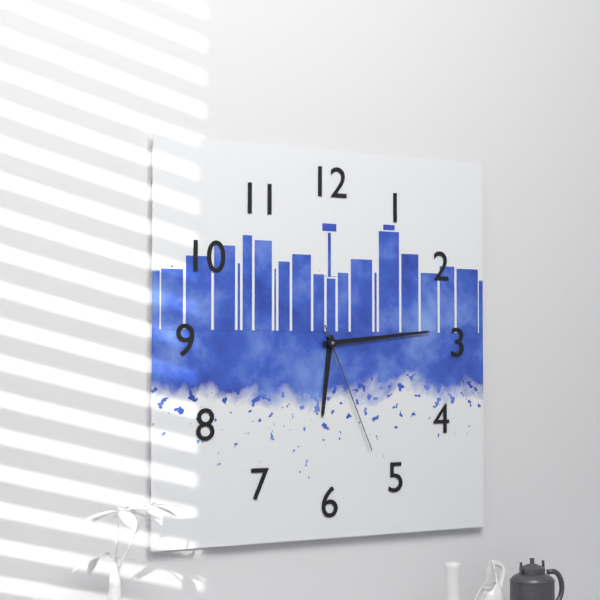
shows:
6,14,26
